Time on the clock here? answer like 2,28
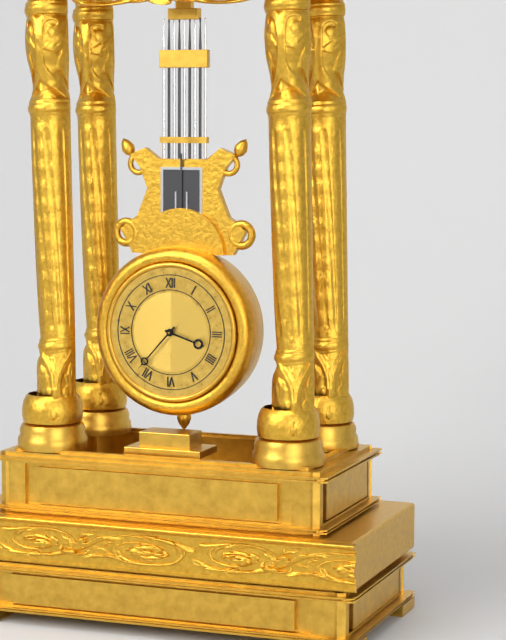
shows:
3,37
